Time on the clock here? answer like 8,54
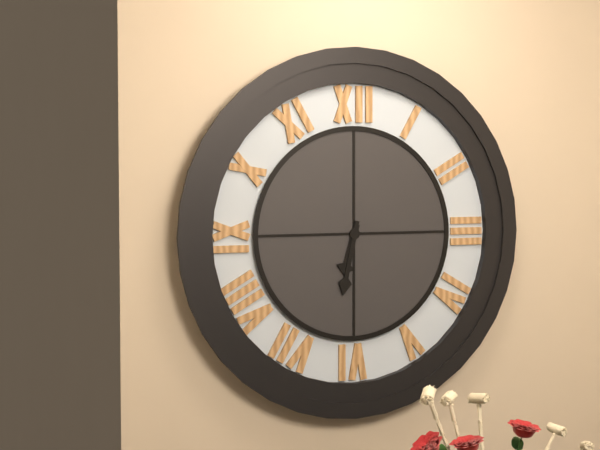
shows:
6,32
